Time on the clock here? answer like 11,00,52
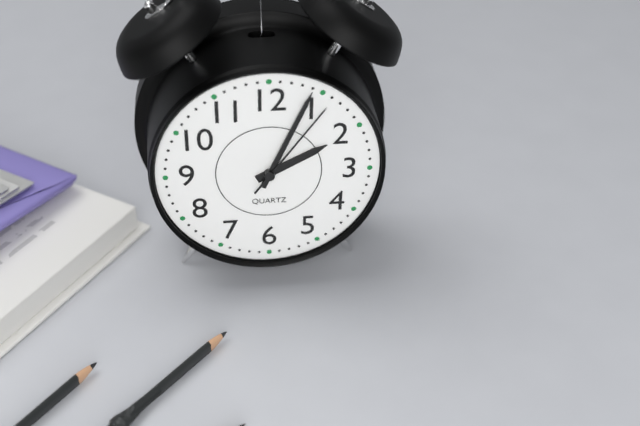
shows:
2,04,06
